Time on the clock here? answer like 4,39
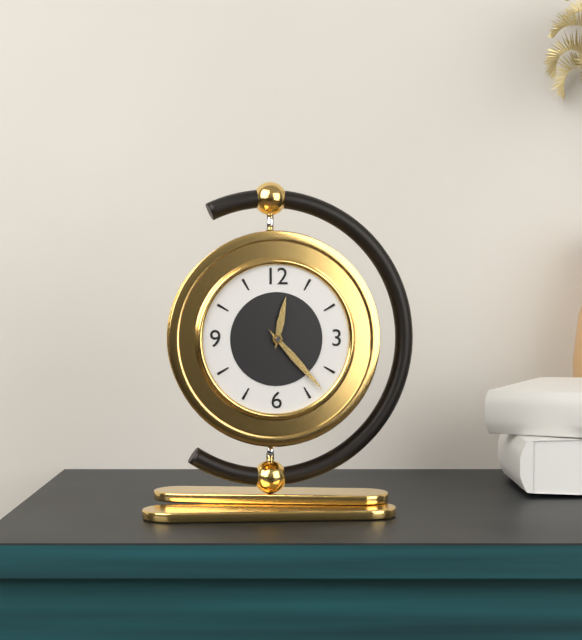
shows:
12,23
